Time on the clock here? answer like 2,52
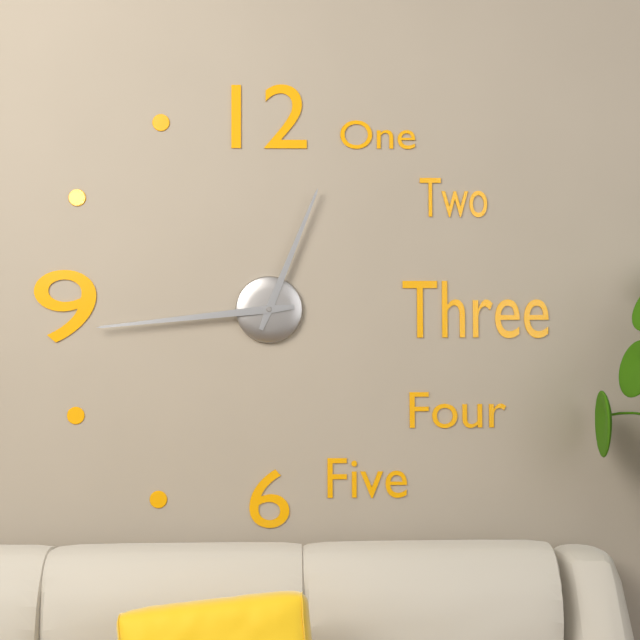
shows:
12,44
